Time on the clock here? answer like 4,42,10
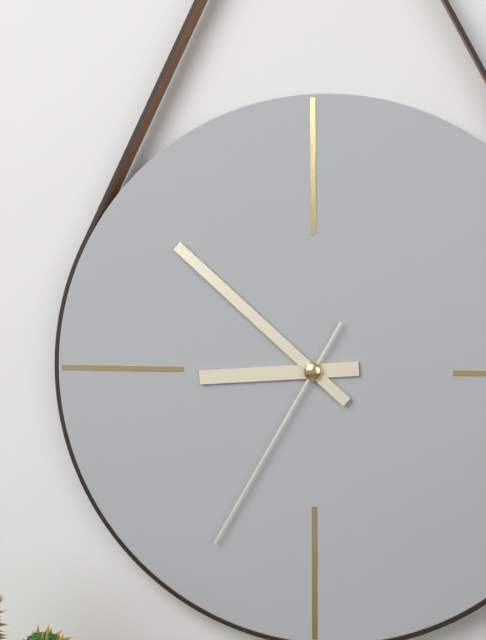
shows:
8,52,35
